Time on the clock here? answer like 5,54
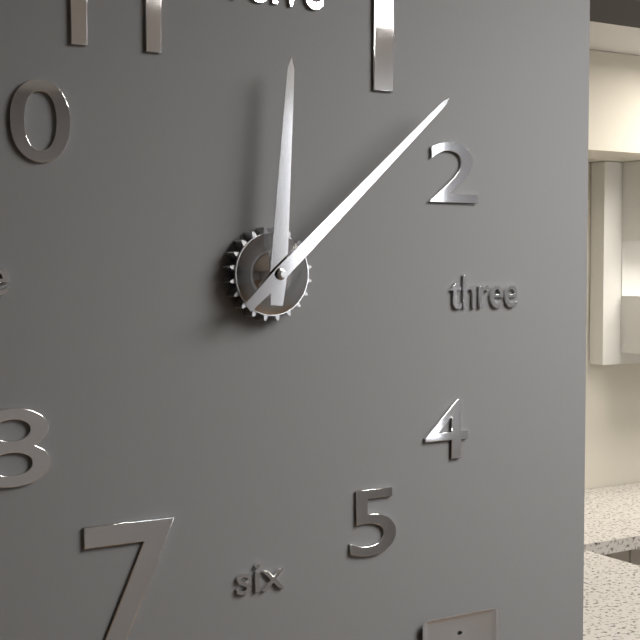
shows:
12,08
